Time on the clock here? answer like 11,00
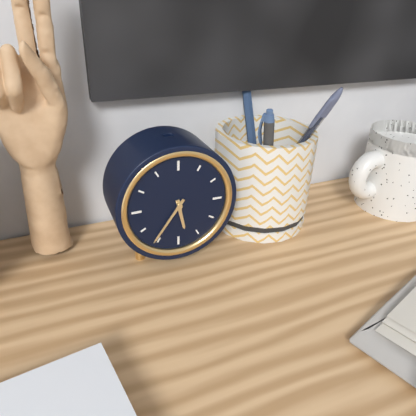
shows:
5,36
